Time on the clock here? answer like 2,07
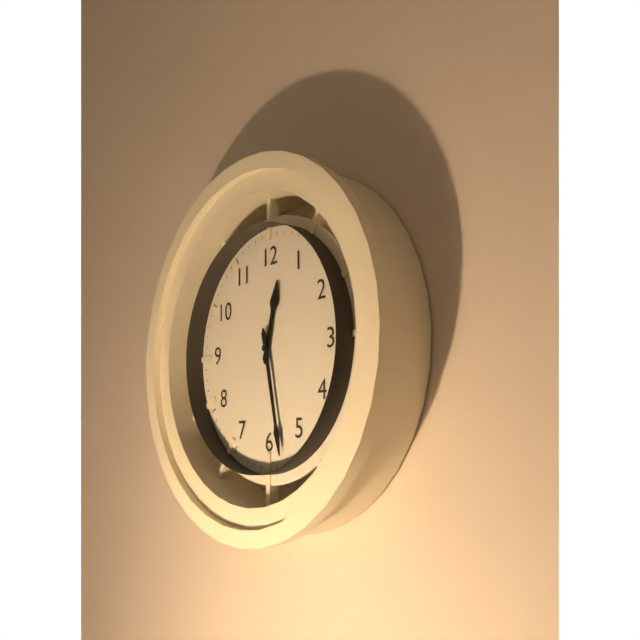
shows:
12,28
